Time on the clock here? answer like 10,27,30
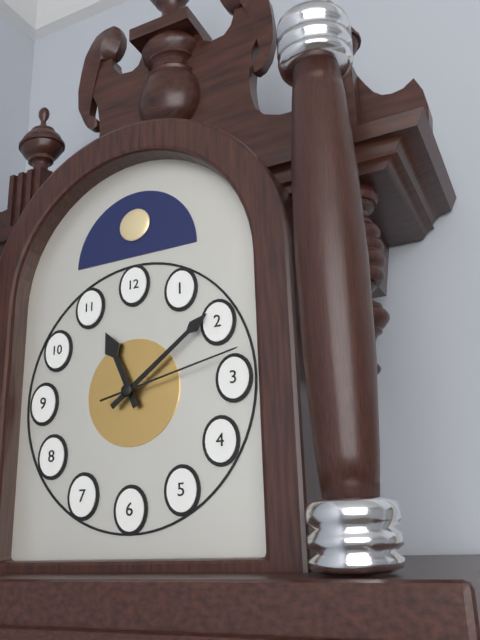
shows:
11,09,13
